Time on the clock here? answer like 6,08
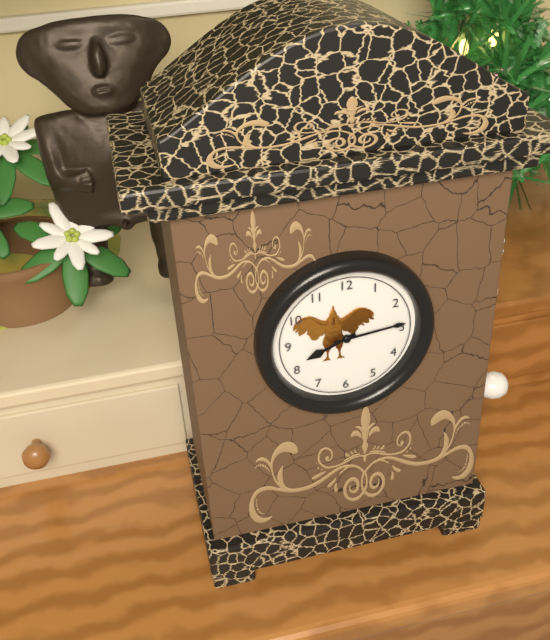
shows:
8,14
